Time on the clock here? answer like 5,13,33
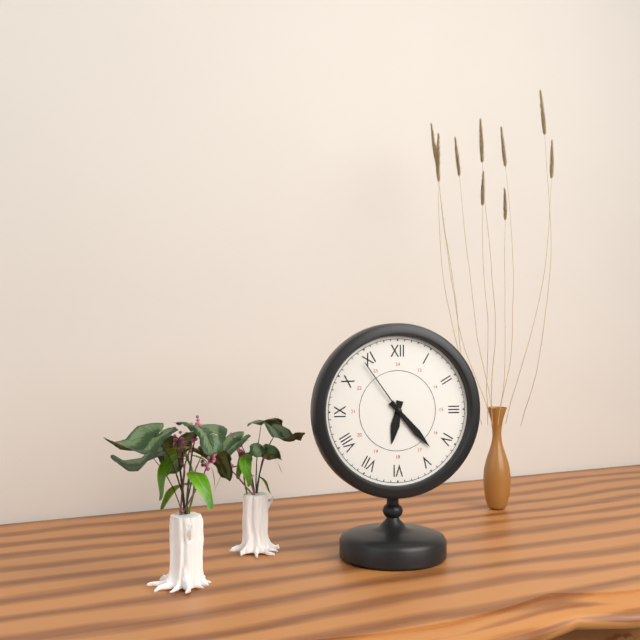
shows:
6,23,54
